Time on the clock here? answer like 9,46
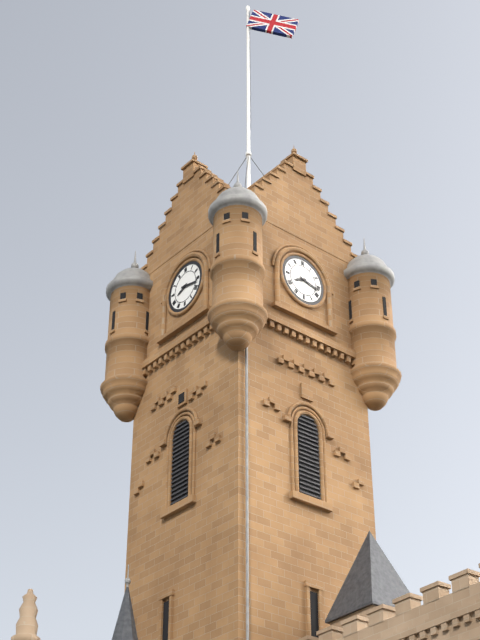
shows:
8,17
